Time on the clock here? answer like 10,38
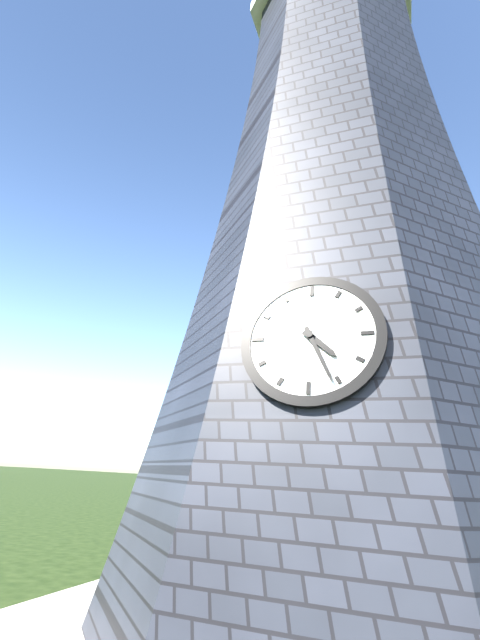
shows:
4,26
